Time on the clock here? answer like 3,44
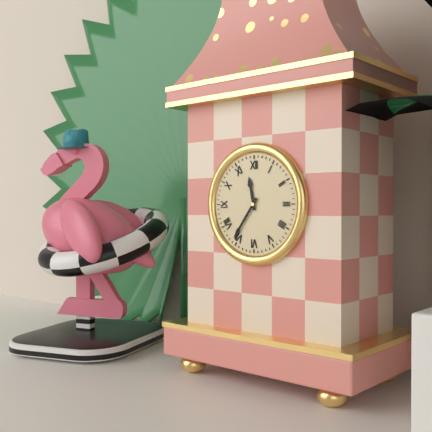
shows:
11,36
